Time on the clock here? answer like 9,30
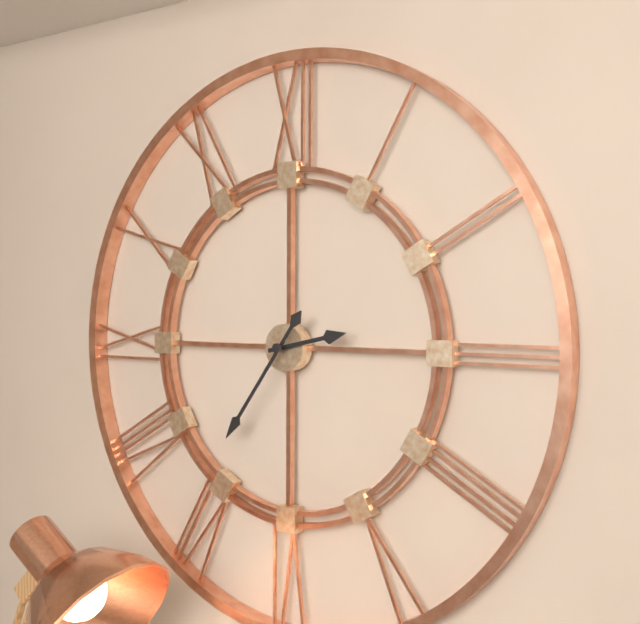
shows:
2,36
